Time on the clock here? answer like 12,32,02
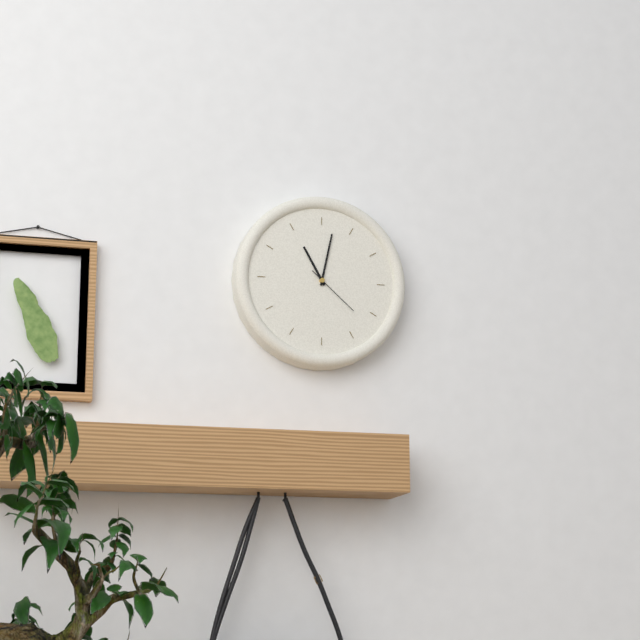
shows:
11,02,22
